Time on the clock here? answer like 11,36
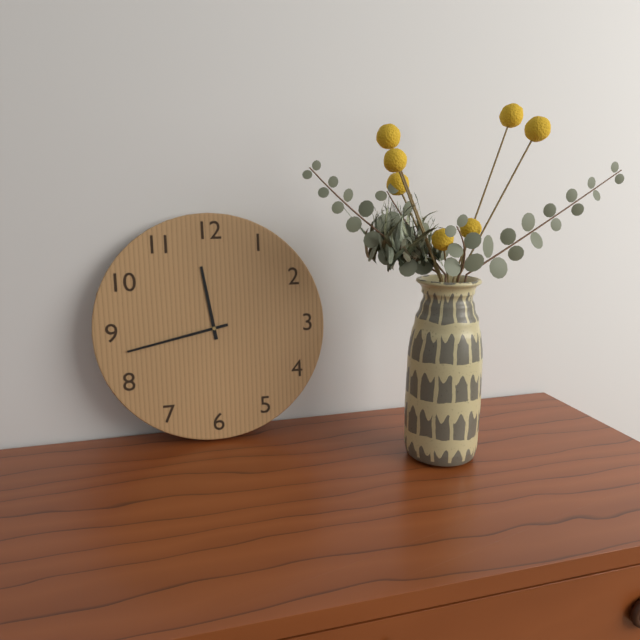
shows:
11,43
